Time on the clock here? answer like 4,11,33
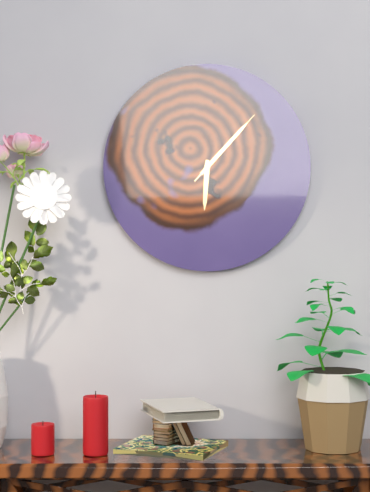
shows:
6,07,07
